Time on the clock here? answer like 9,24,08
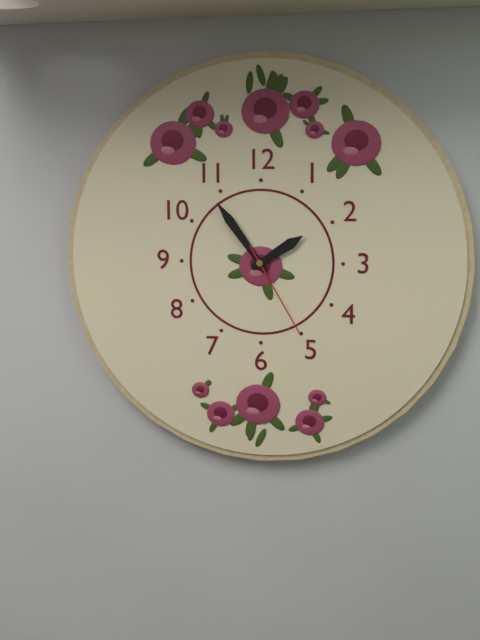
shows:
1,54,25
